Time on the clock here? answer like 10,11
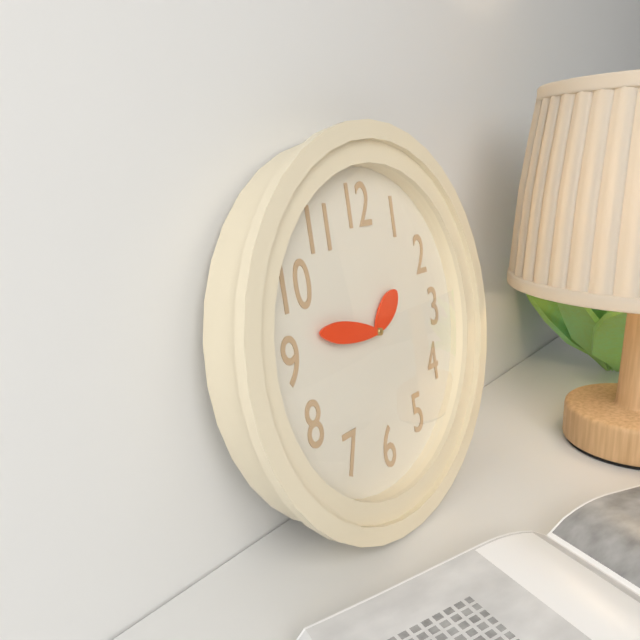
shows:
1,47
